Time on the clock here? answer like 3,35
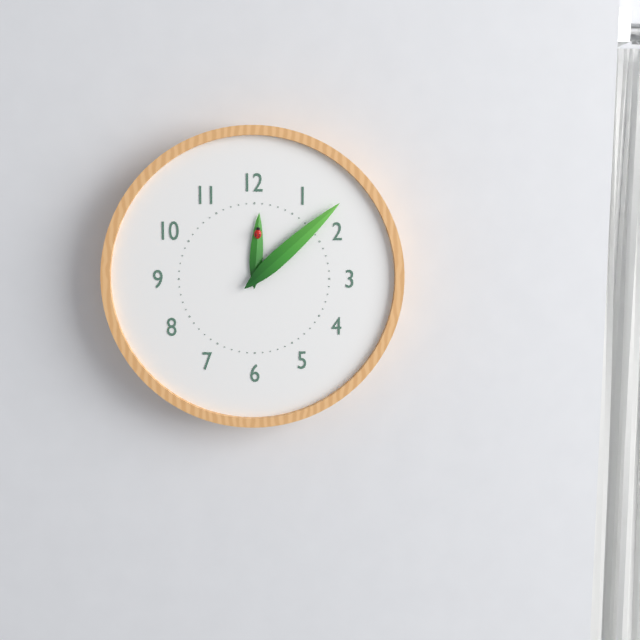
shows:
12,08
